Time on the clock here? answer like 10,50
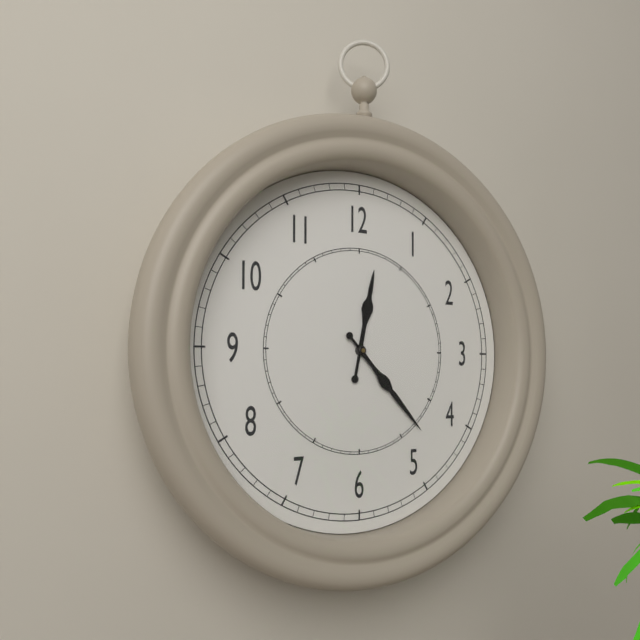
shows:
12,23
